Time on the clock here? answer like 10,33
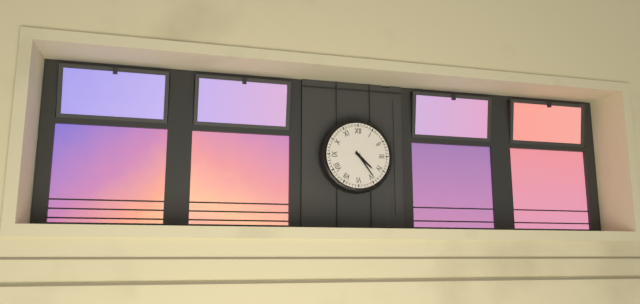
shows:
4,24
